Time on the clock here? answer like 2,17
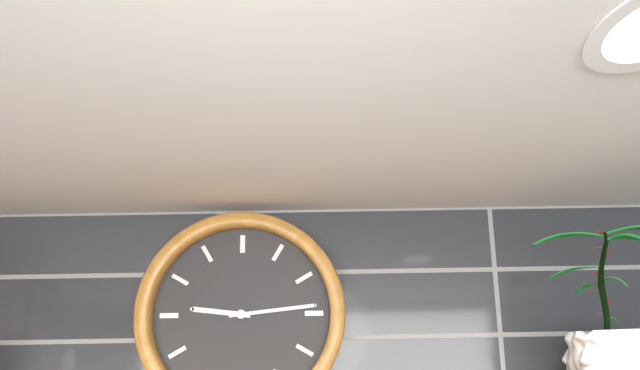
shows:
9,14
